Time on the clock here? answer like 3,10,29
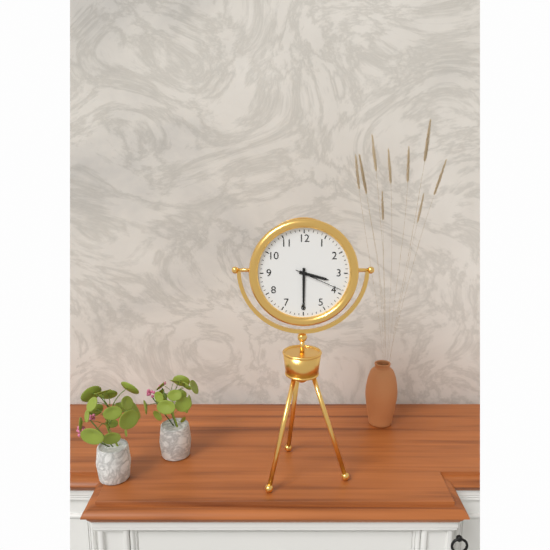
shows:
3,30,19
